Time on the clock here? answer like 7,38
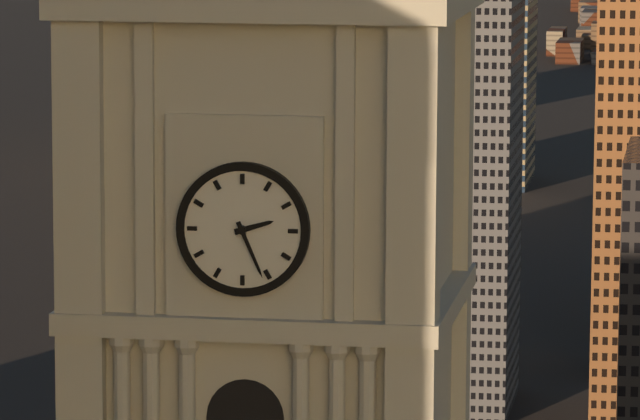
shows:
2,26
